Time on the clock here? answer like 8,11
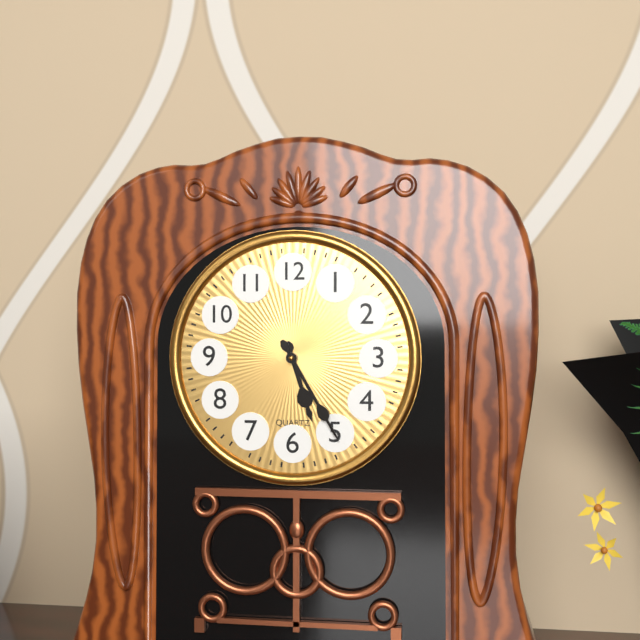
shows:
5,25
